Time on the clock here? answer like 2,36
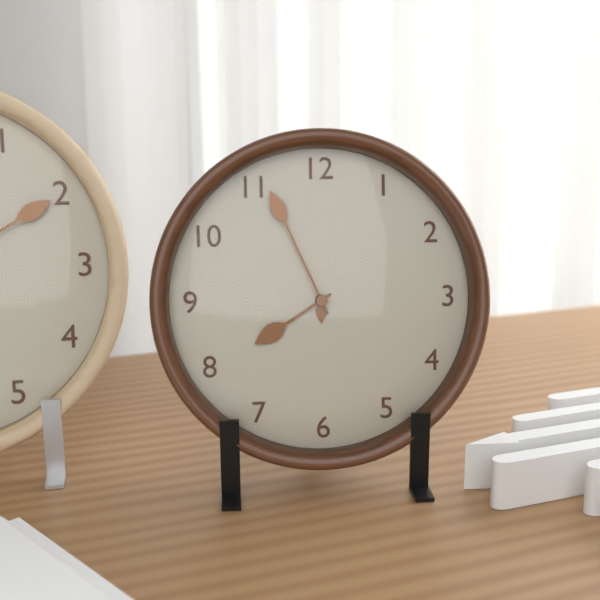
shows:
7,56
